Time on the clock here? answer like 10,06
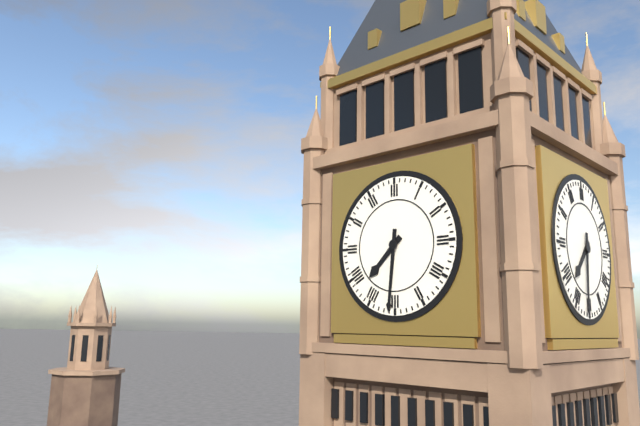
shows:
7,31
